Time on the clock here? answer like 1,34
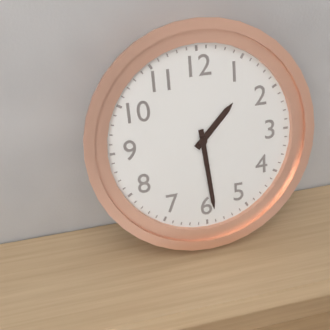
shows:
1,29
